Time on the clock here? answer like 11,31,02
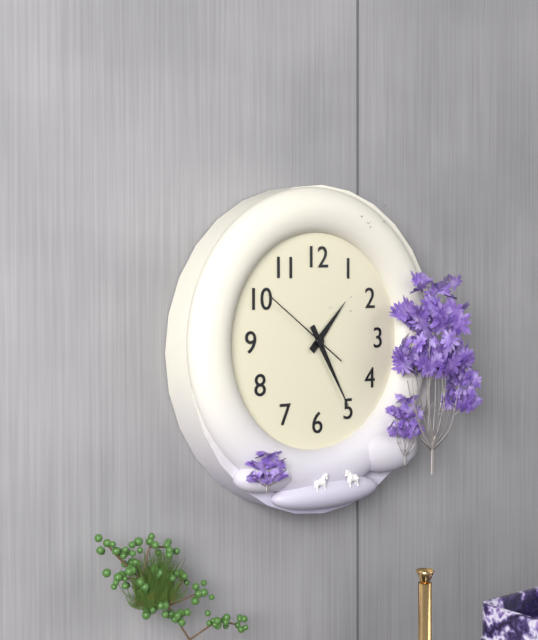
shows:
1,25,51
